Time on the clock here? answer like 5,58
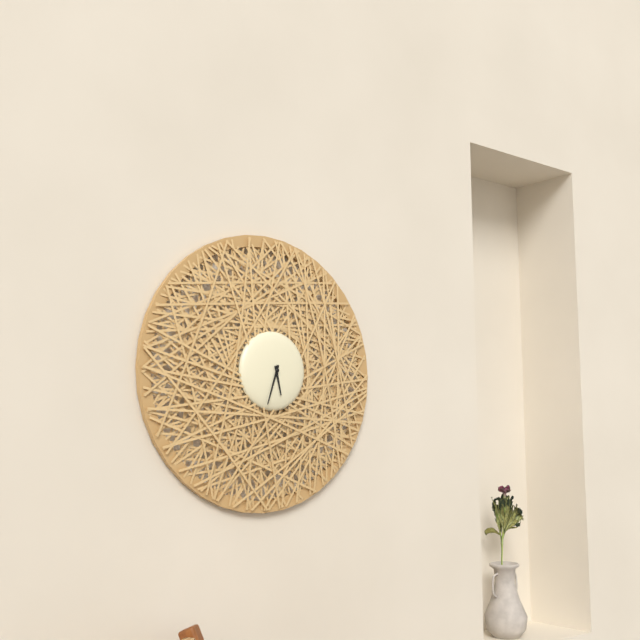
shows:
5,33
